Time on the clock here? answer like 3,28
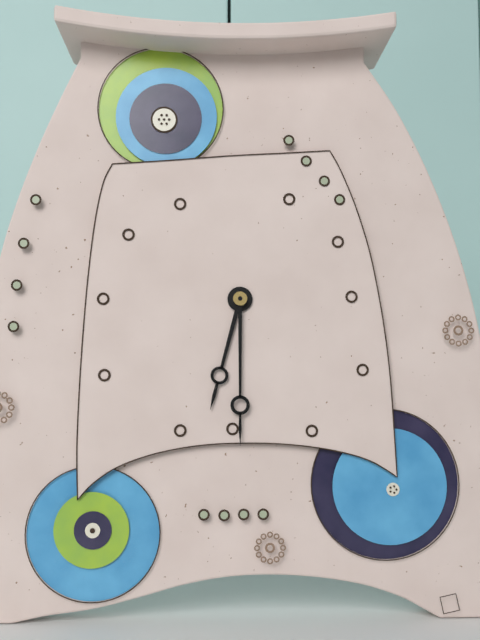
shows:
6,30
